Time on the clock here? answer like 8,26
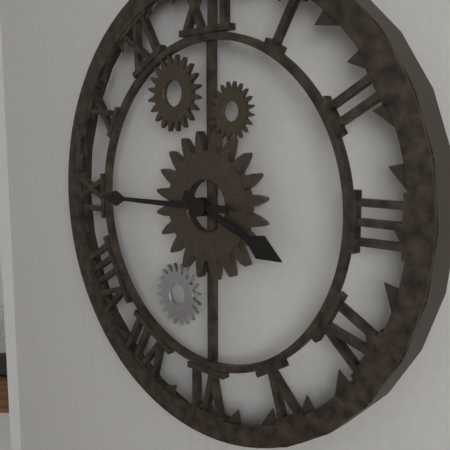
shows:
3,45
